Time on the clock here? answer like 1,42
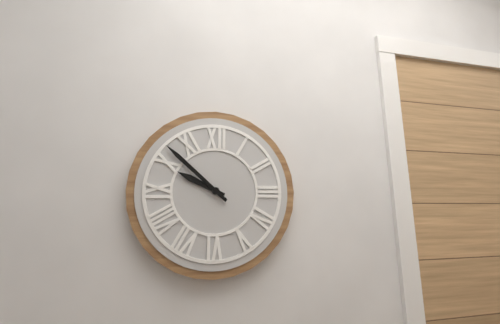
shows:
9,52
